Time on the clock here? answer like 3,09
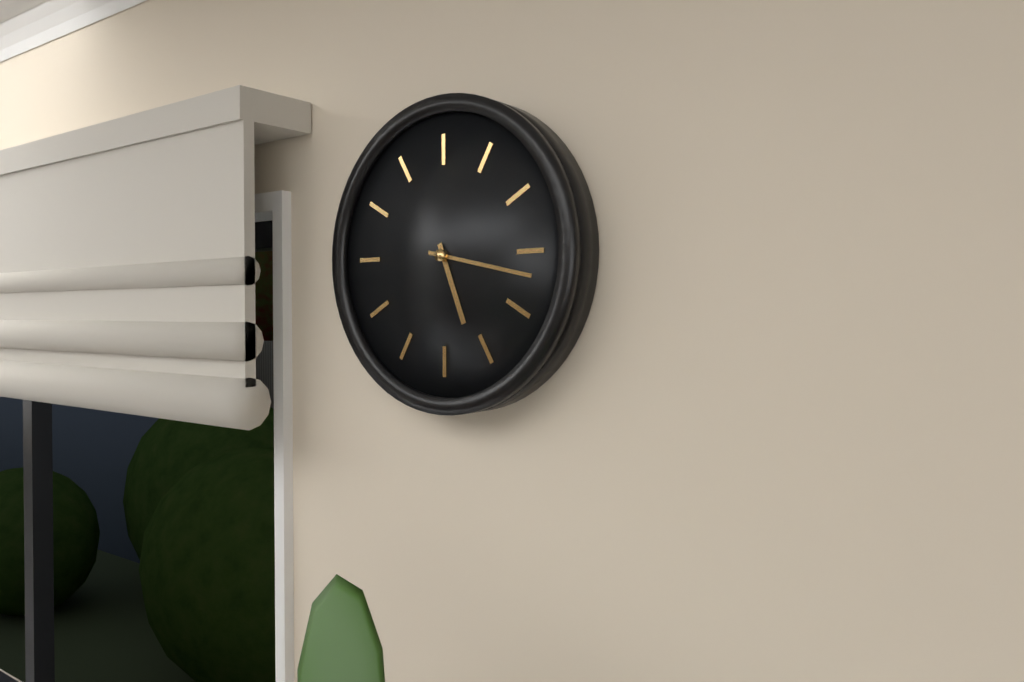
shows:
5,17
